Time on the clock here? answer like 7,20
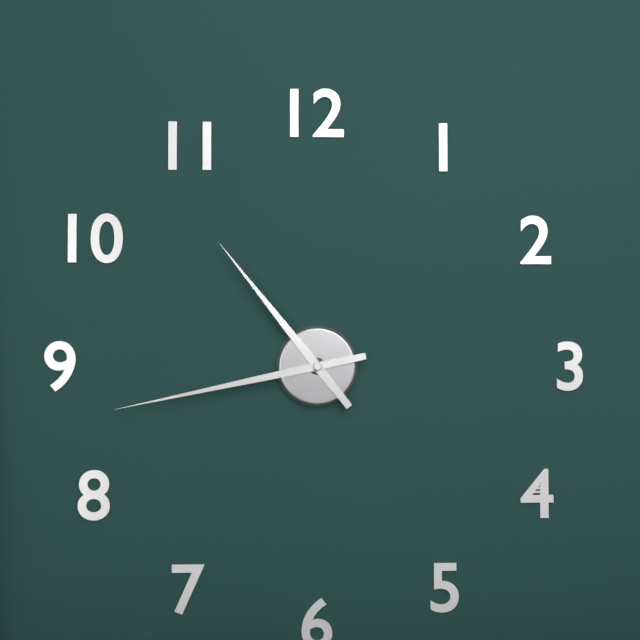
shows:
10,43
